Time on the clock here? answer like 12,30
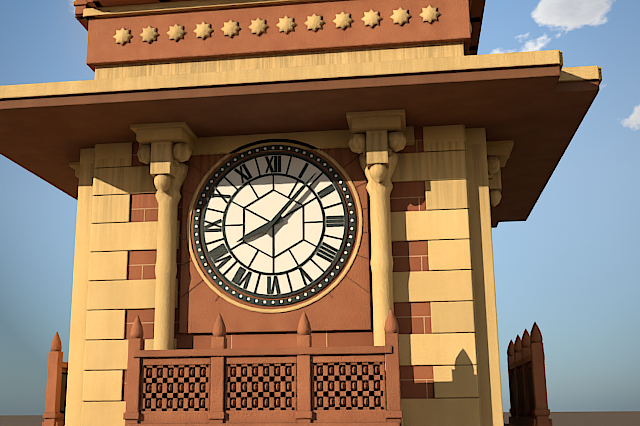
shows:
8,07
